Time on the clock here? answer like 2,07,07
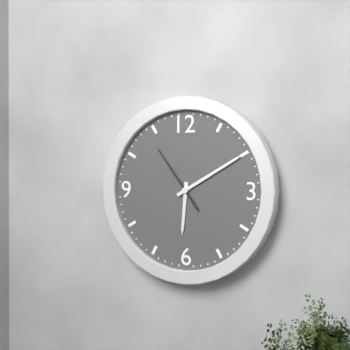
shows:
6,10,54
